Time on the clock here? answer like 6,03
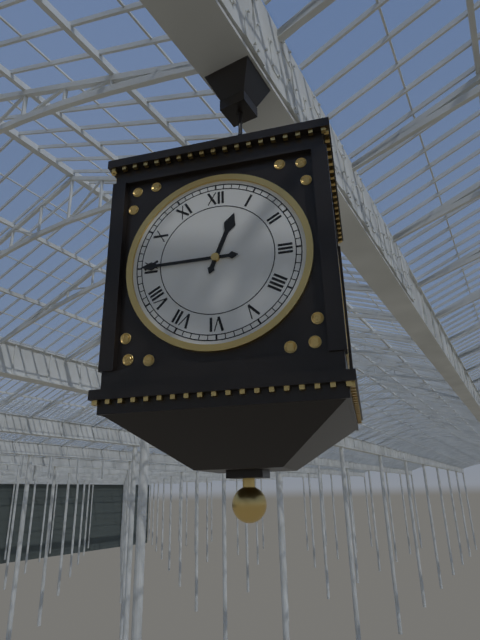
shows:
12,45
